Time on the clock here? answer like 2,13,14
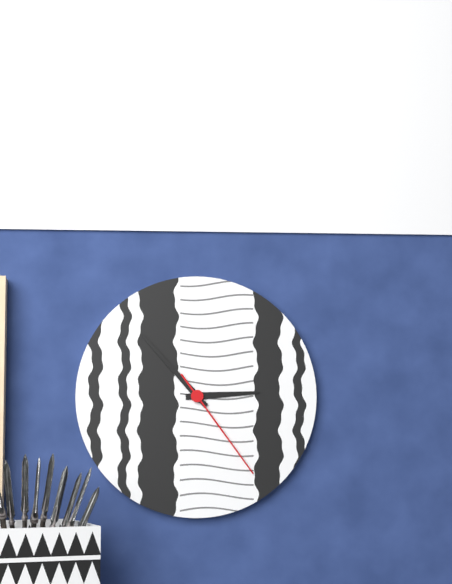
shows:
2,53,24
